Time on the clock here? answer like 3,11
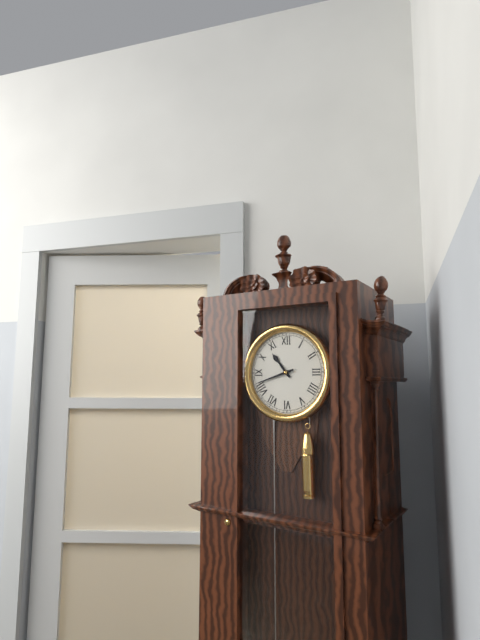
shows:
10,42
